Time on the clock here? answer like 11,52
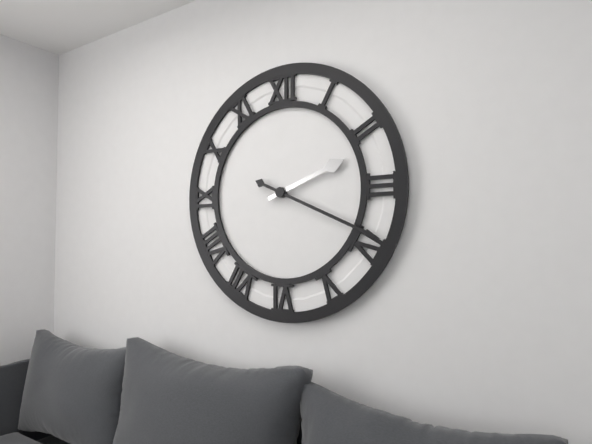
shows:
2,19
